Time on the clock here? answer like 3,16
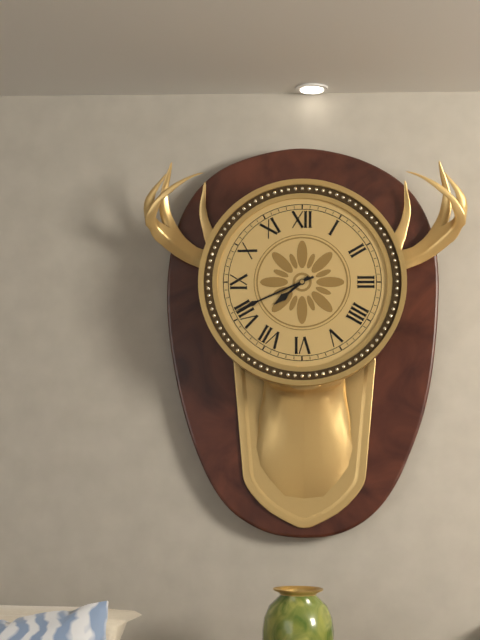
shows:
7,41
